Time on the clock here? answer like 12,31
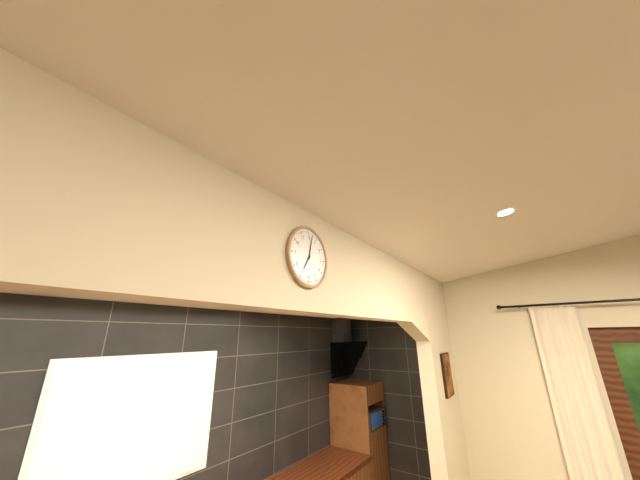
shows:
7,02
